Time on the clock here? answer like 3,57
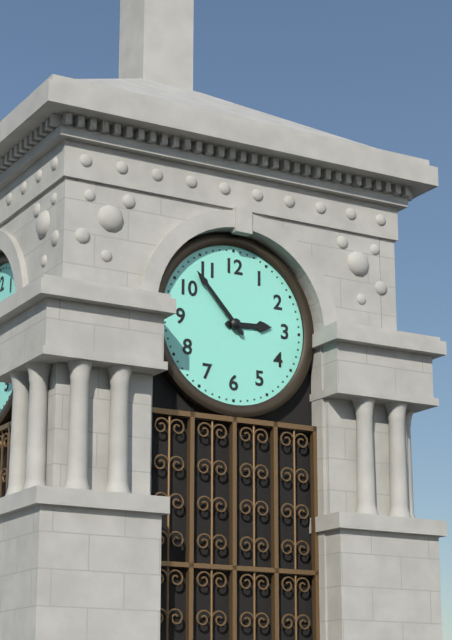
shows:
2,53
